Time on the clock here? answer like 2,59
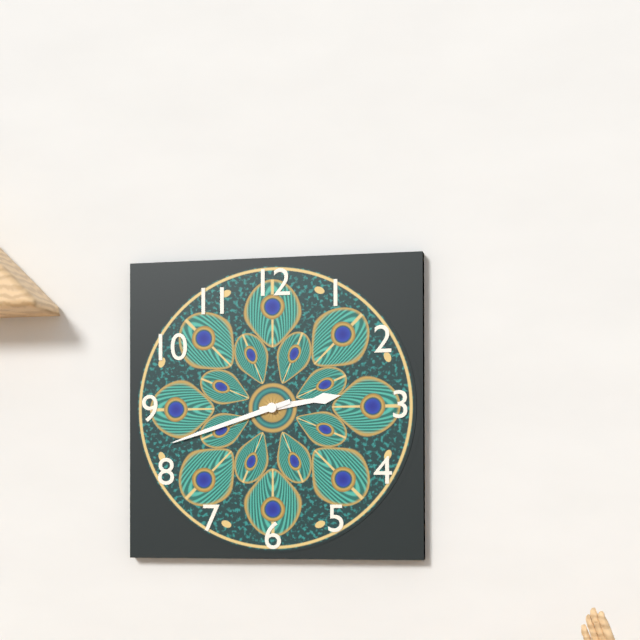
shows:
2,42
